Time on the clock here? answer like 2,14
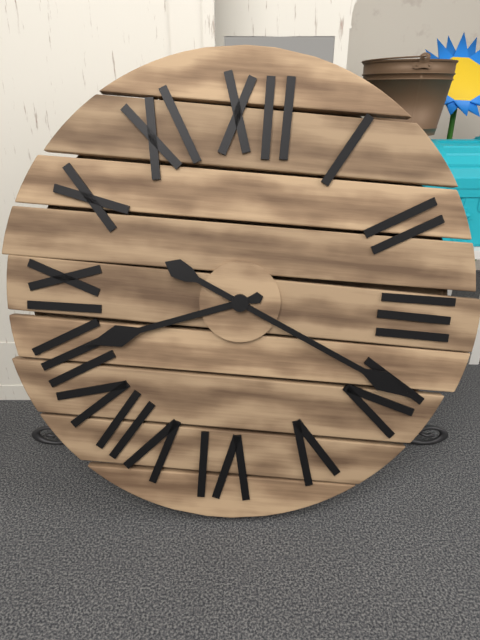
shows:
8,19
